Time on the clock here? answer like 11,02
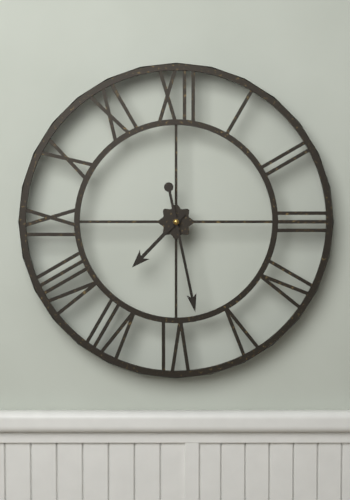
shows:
7,28
